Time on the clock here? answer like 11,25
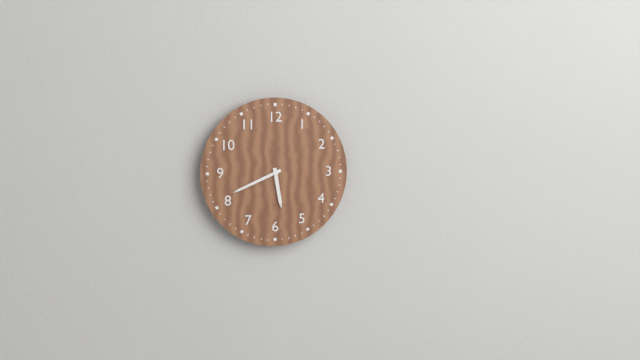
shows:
5,41
